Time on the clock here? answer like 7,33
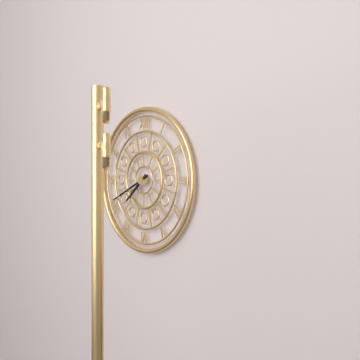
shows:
7,41
